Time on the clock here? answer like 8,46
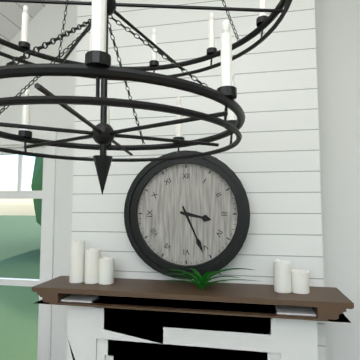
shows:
3,26
